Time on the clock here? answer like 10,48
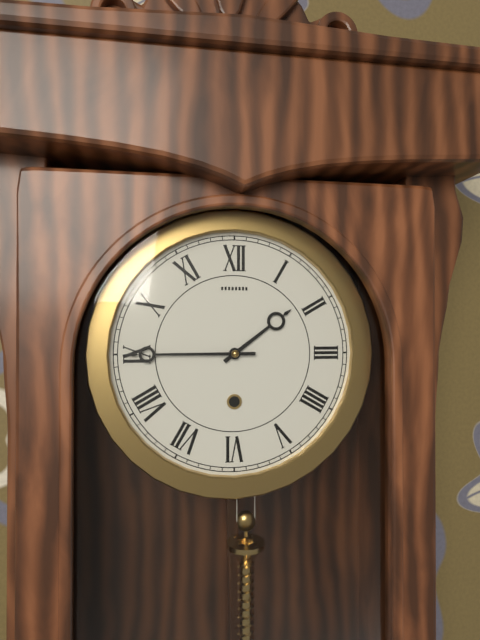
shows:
1,45
